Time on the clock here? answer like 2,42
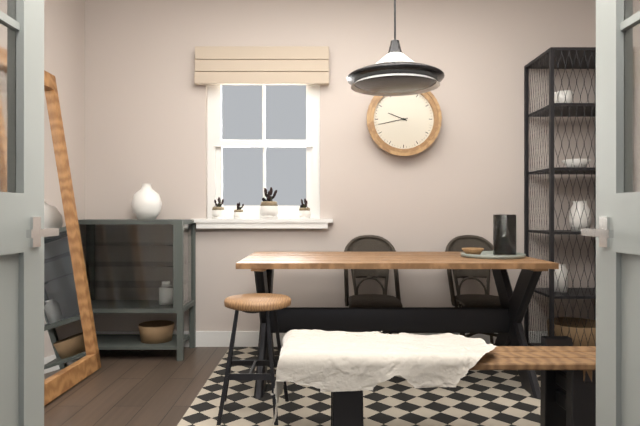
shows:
9,43
